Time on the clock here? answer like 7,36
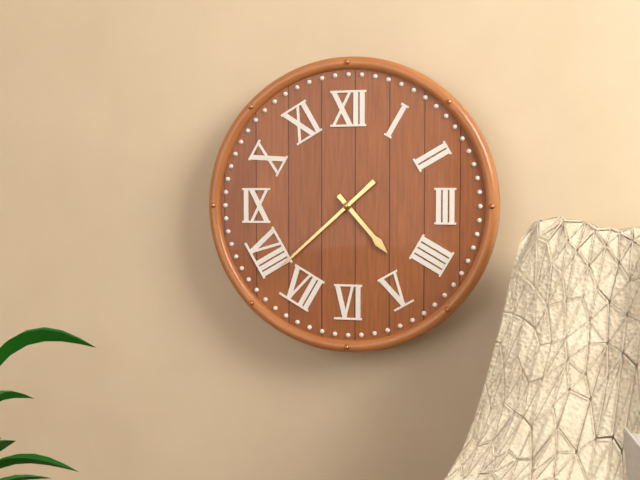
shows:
4,38
